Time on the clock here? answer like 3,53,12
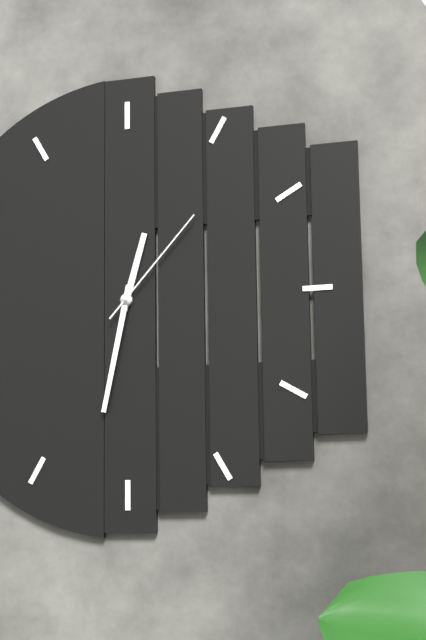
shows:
12,32,07
